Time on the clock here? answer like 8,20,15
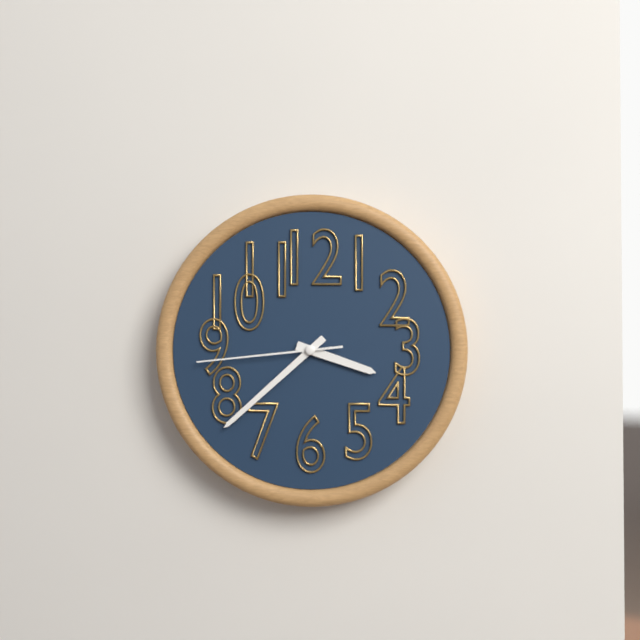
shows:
3,38,44
